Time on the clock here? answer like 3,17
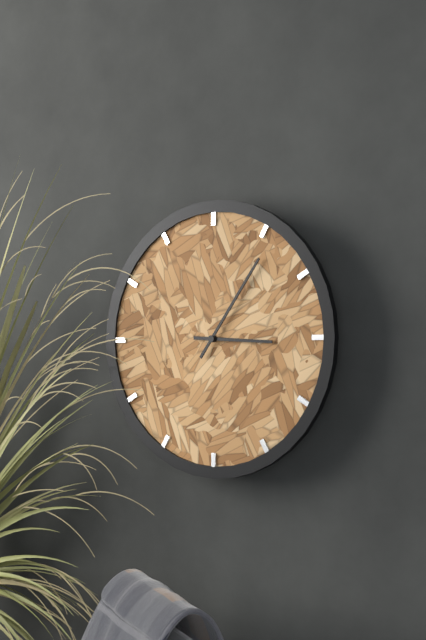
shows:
3,06
